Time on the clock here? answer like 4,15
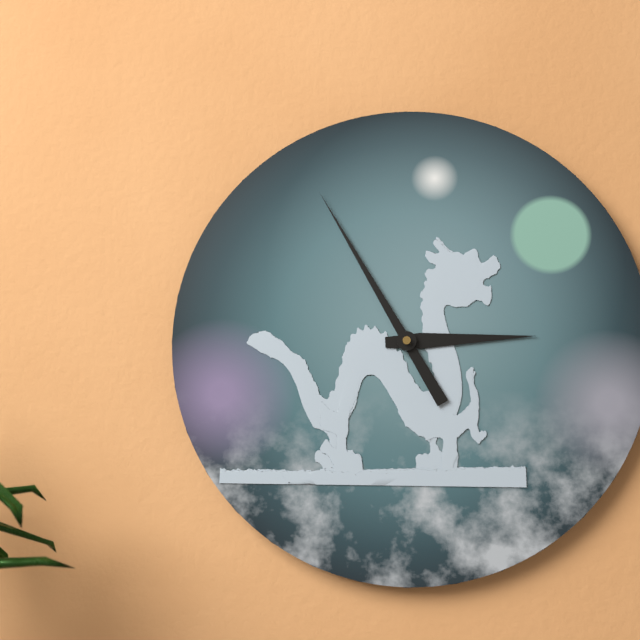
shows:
2,55
